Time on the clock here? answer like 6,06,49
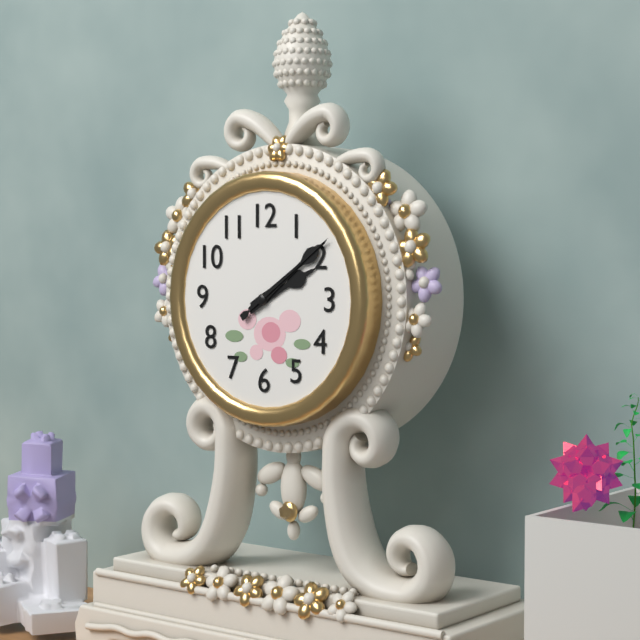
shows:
2,09,09
